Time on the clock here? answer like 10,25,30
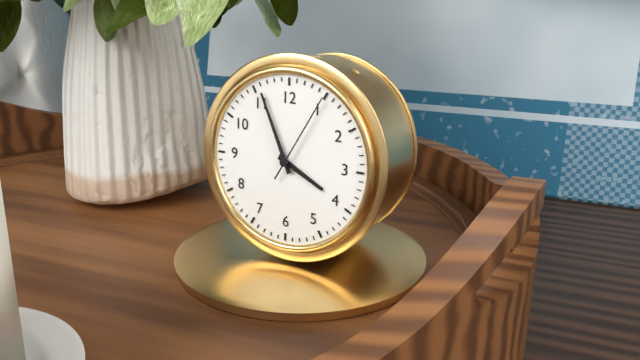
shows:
3,56,05
